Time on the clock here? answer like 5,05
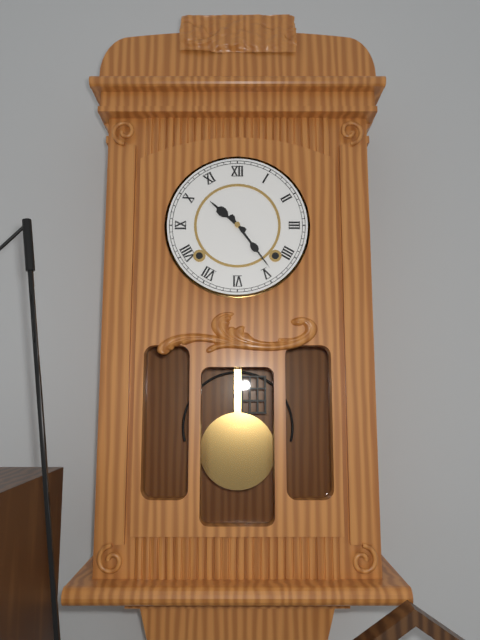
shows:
10,24
